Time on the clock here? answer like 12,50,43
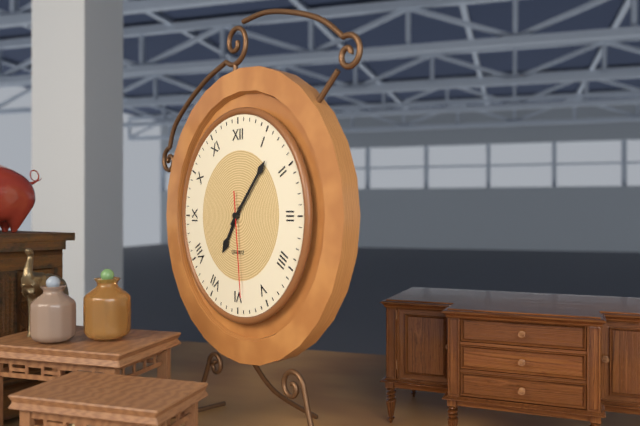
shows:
7,07,29
